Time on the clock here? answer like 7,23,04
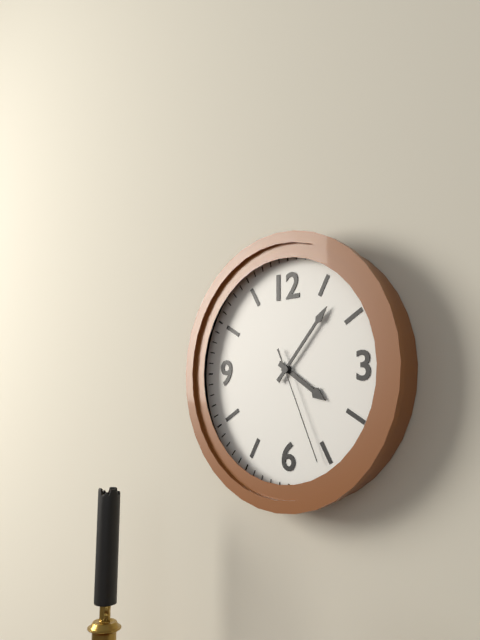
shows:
4,07,26
